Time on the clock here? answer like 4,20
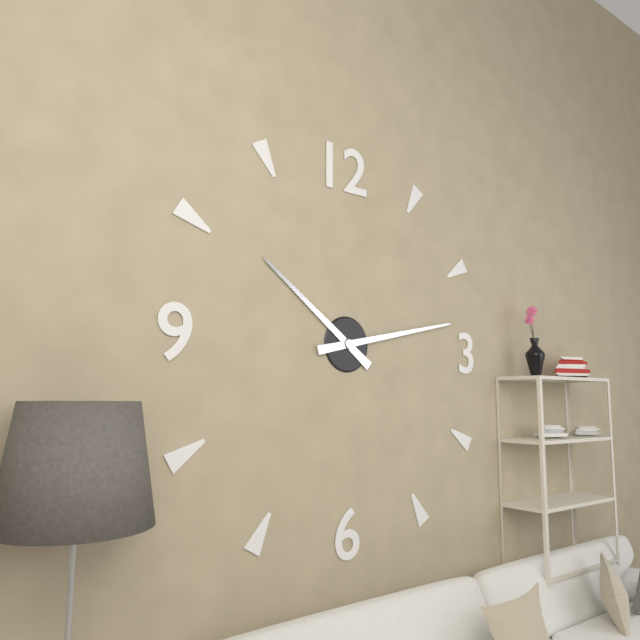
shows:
10,13
